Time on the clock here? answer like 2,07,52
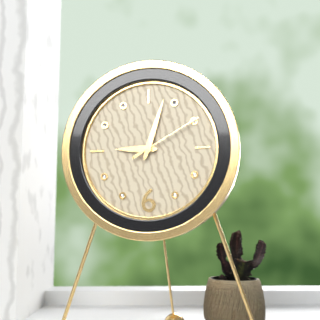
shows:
9,03,10
